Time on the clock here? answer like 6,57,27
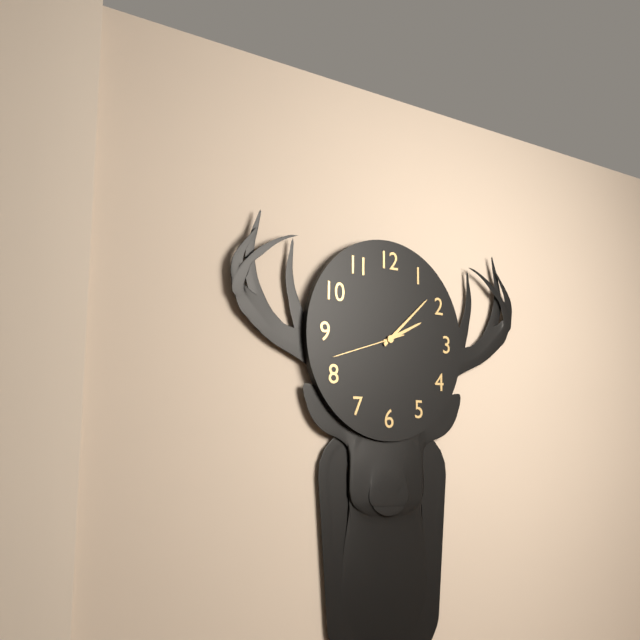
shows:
2,08,42
